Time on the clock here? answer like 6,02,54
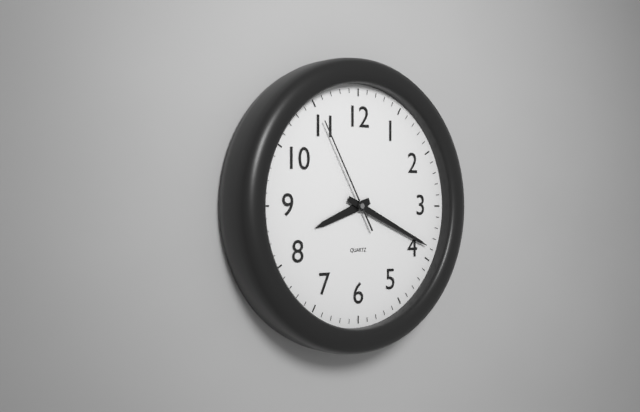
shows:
8,19,55
